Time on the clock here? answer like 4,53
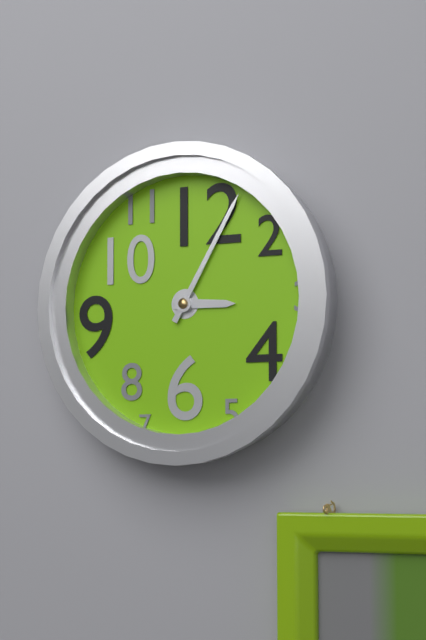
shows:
3,05
